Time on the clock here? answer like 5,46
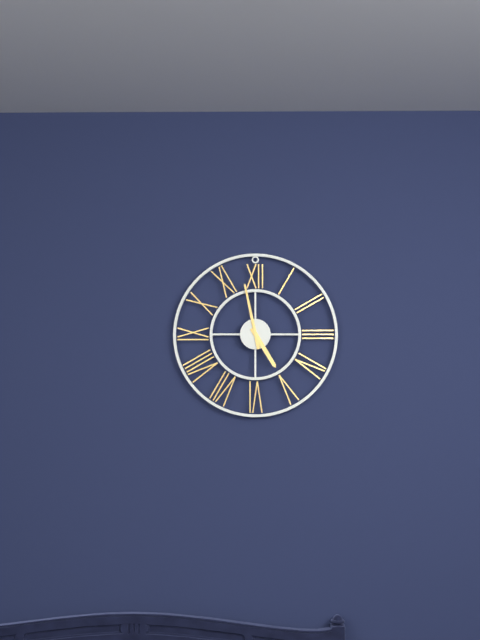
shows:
4,58
